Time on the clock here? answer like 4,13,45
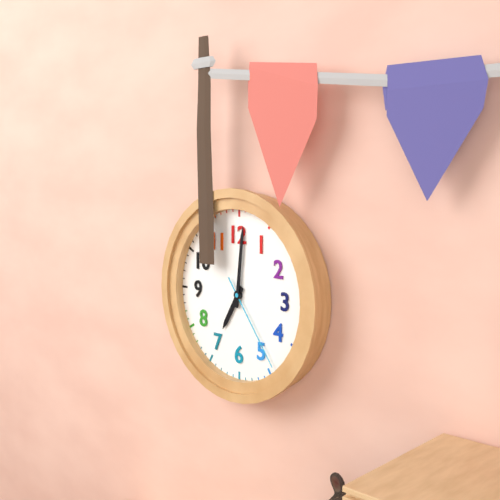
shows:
7,01,24
